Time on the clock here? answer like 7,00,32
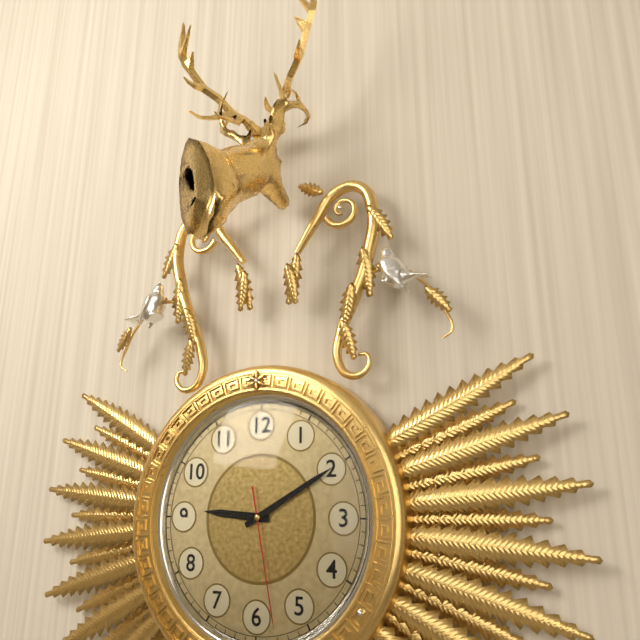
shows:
9,10,28
